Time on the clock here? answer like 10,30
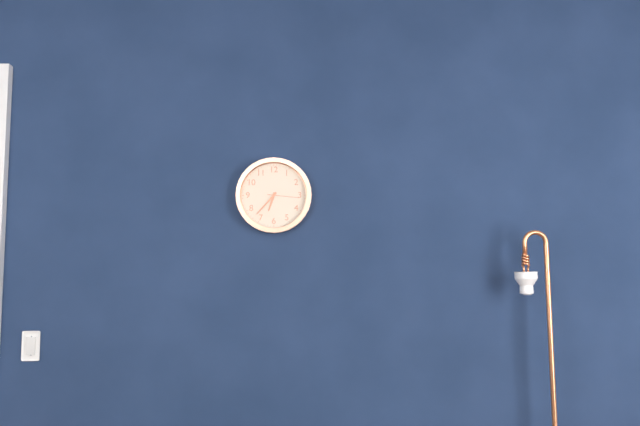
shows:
6,37
